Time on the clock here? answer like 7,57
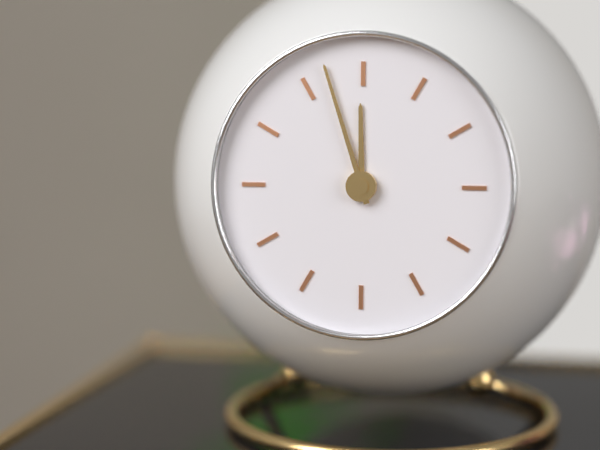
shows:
11,57
